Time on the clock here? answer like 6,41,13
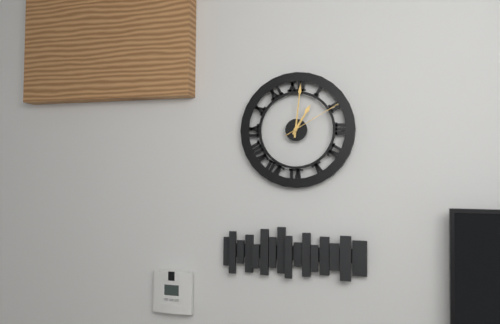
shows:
1,01,10
